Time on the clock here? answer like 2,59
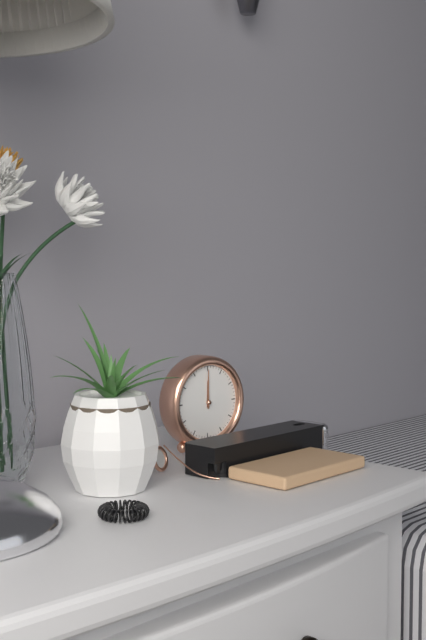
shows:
12,00
